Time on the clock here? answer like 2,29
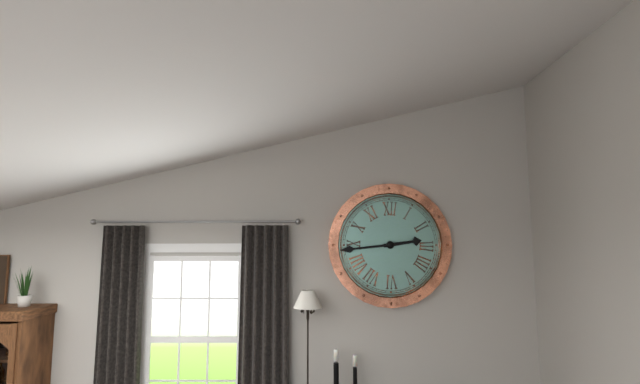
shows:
2,44
